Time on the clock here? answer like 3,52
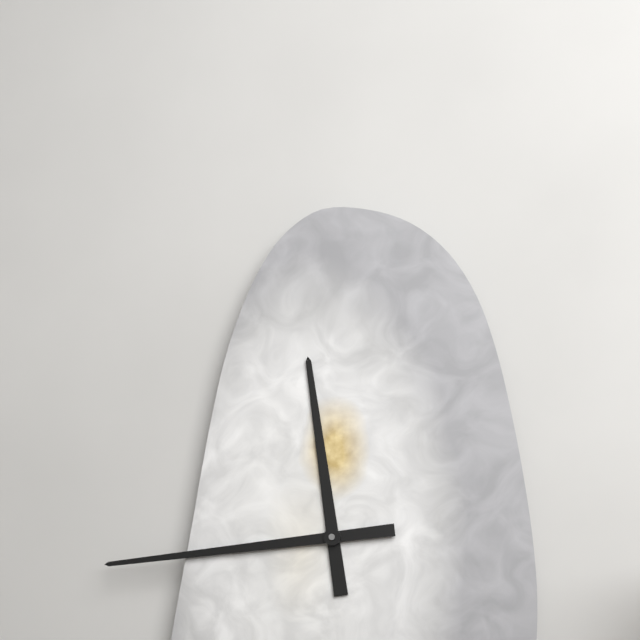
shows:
11,44
